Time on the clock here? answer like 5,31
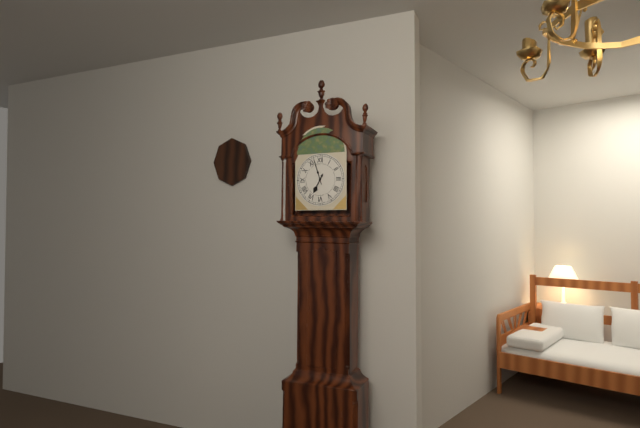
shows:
6,57
